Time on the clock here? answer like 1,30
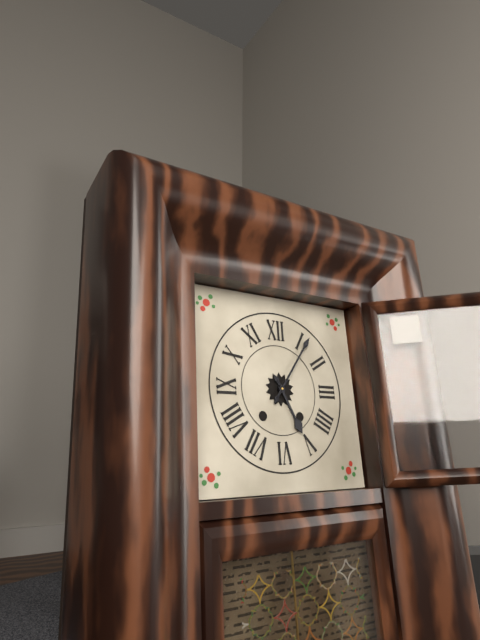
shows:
5,06
